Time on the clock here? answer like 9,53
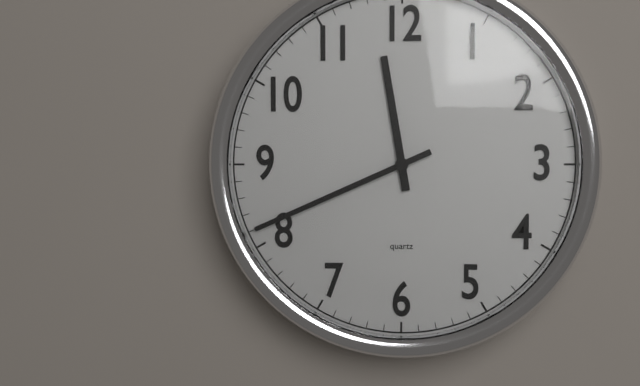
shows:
11,41
